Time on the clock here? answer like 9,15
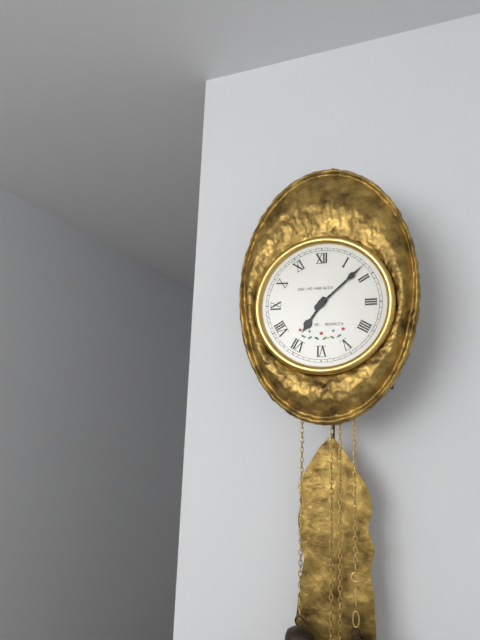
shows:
7,08
